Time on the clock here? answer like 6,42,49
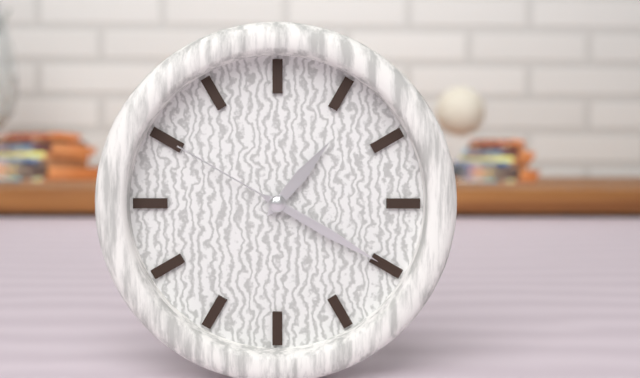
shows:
1,20,50
